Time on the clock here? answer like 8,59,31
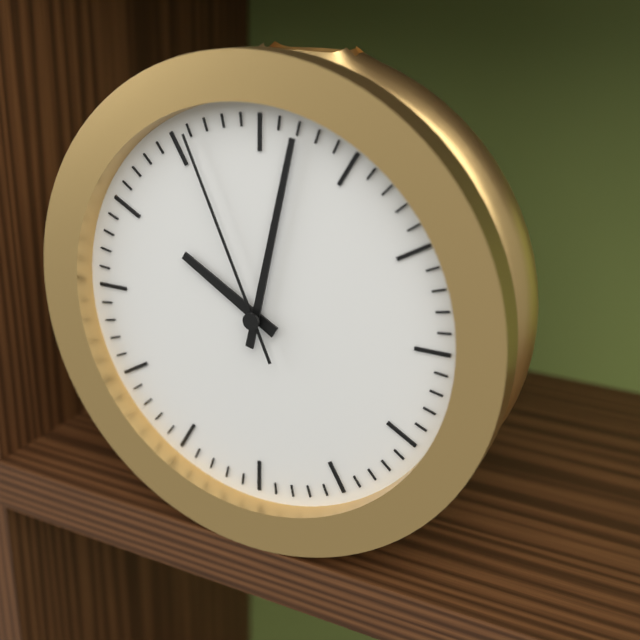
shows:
10,02,56
